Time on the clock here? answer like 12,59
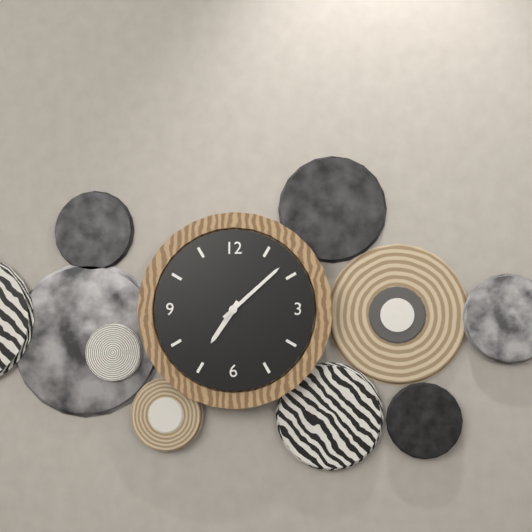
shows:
7,08
